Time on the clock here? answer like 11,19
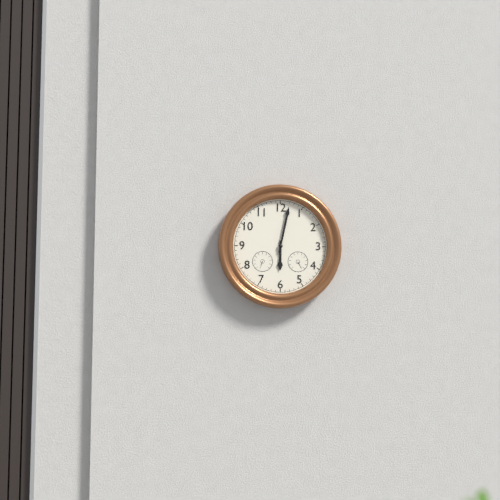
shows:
6,02
